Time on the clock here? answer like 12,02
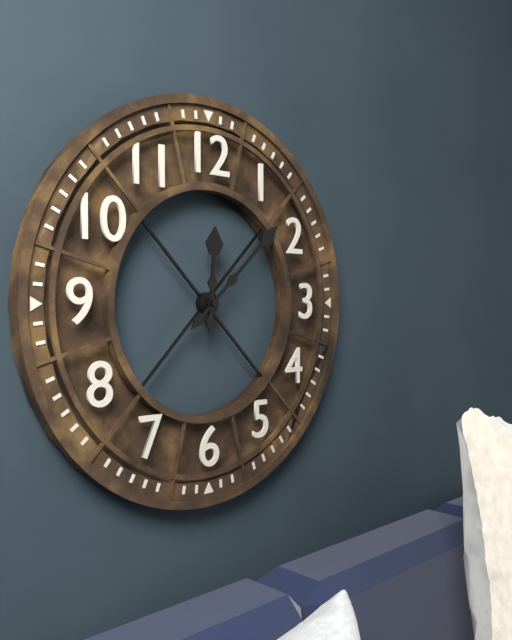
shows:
12,08
